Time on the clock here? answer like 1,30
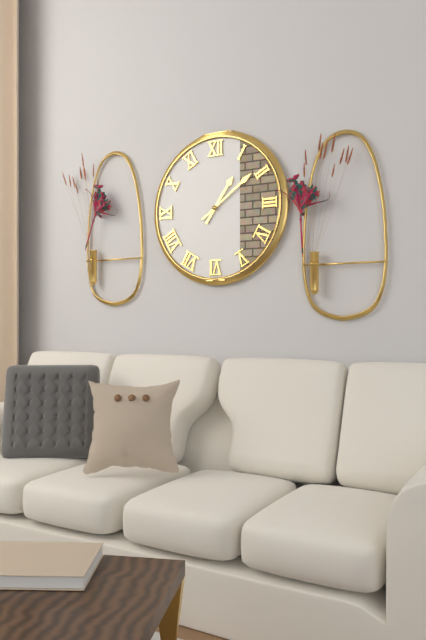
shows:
1,09
